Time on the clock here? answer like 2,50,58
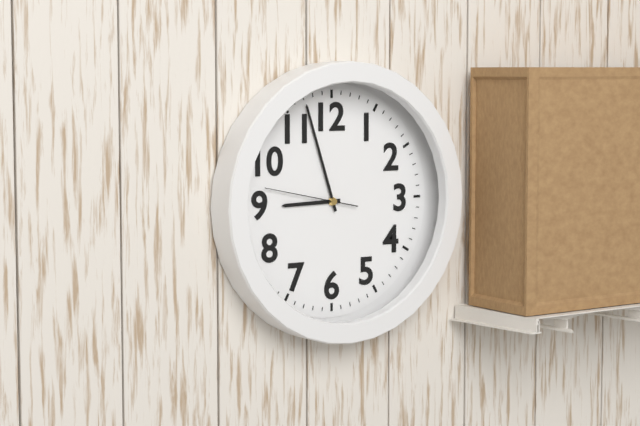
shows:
8,57,47
